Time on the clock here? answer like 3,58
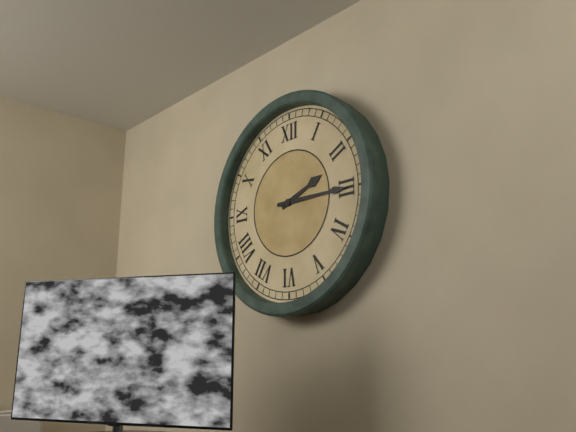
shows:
2,15
